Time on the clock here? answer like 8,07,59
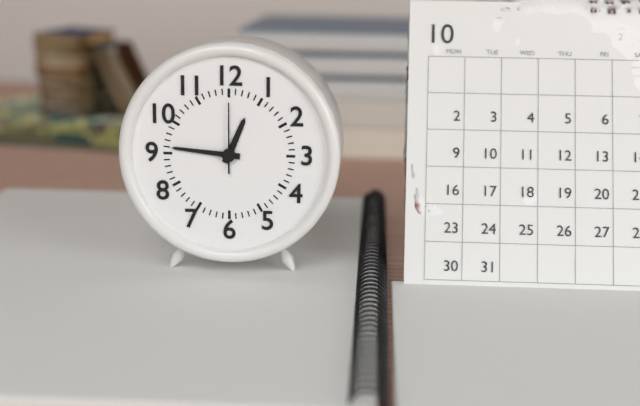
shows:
12,46,00
